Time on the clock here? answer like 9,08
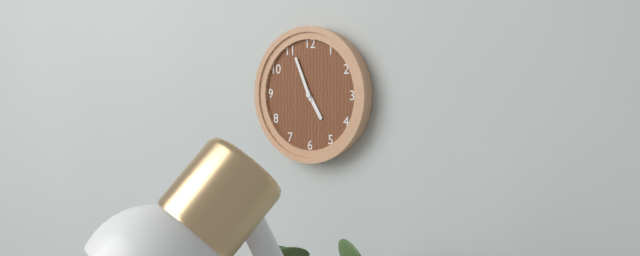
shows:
4,56
